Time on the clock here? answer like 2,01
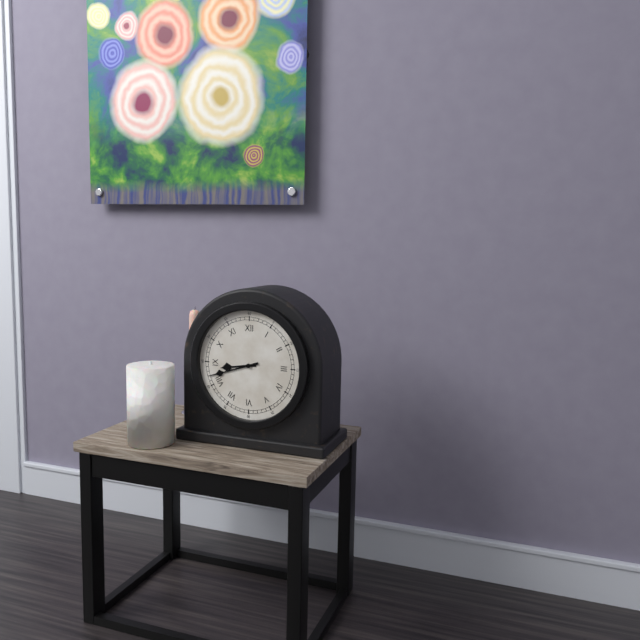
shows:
8,42
